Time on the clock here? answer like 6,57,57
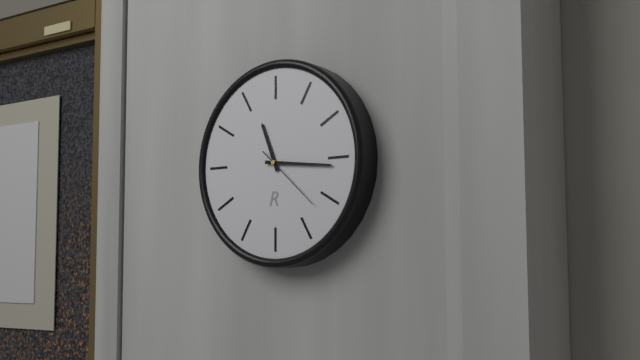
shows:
11,16,22
